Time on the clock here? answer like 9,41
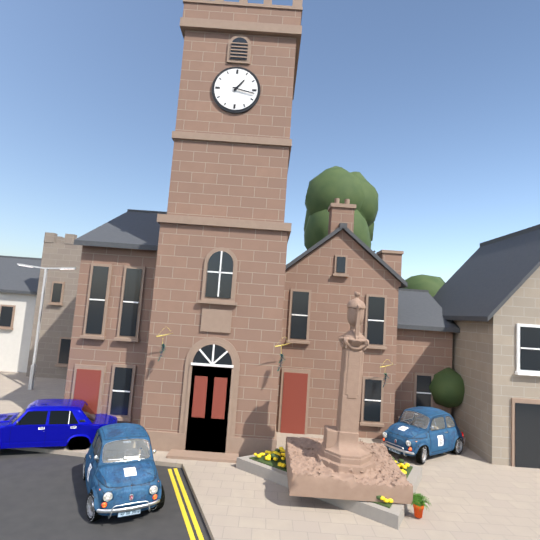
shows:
1,17
